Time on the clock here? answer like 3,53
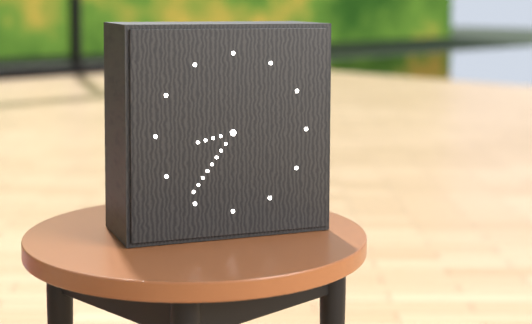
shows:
8,36
